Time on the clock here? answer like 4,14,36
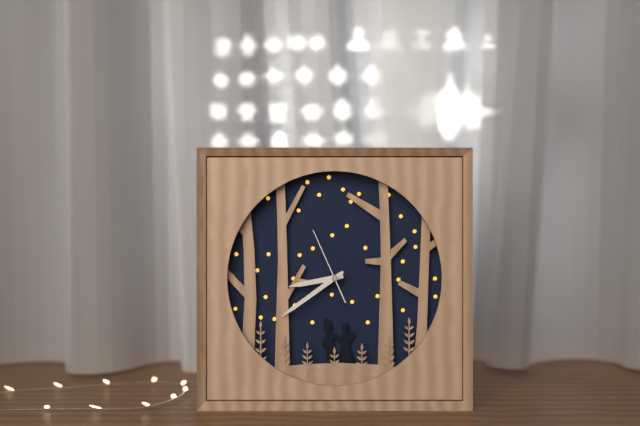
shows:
8,39,56
